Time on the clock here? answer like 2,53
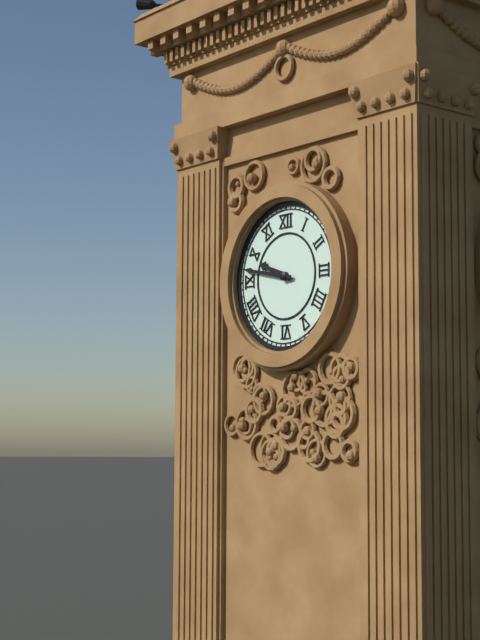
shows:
9,47
